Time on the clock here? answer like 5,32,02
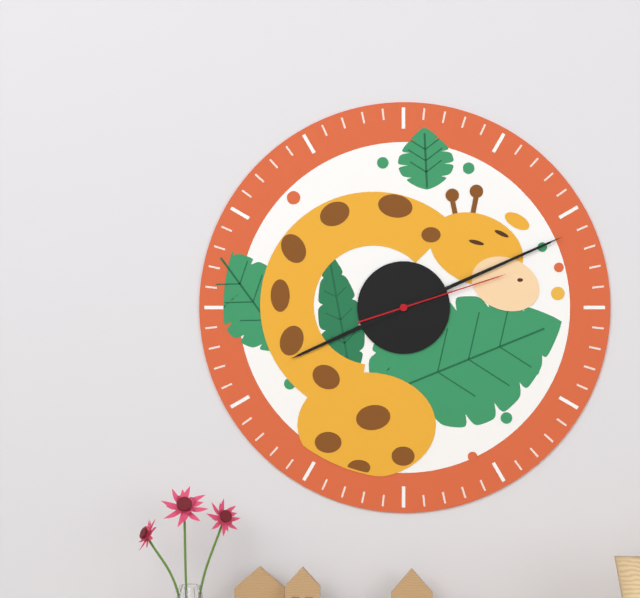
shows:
8,11,12
